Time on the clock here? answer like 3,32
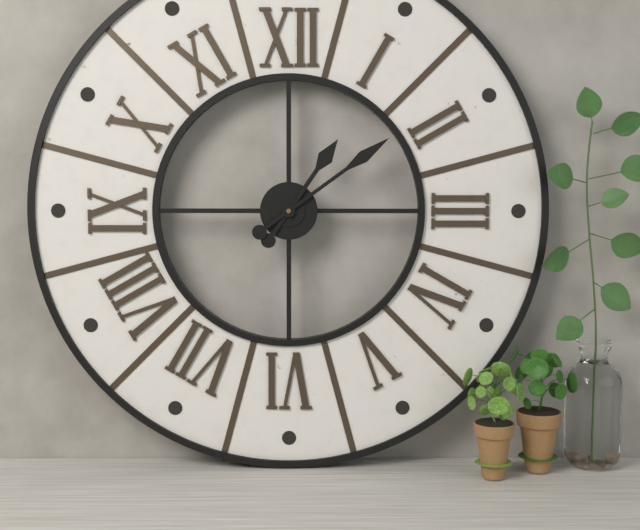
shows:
1,09
